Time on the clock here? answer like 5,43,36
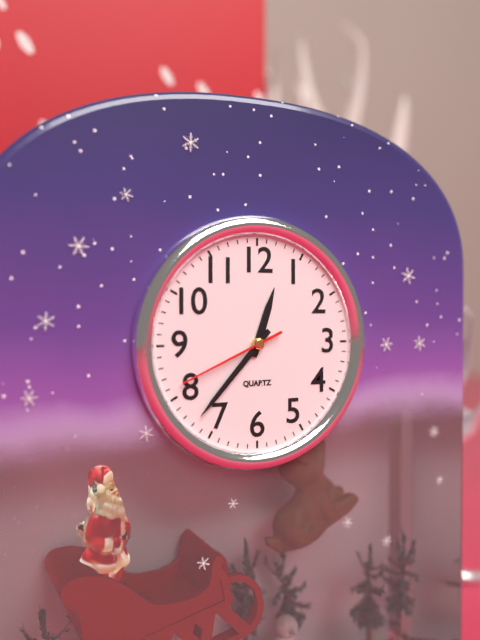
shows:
12,37,41
